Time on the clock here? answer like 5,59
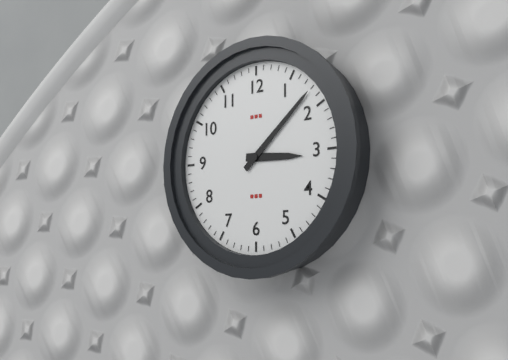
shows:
3,08
